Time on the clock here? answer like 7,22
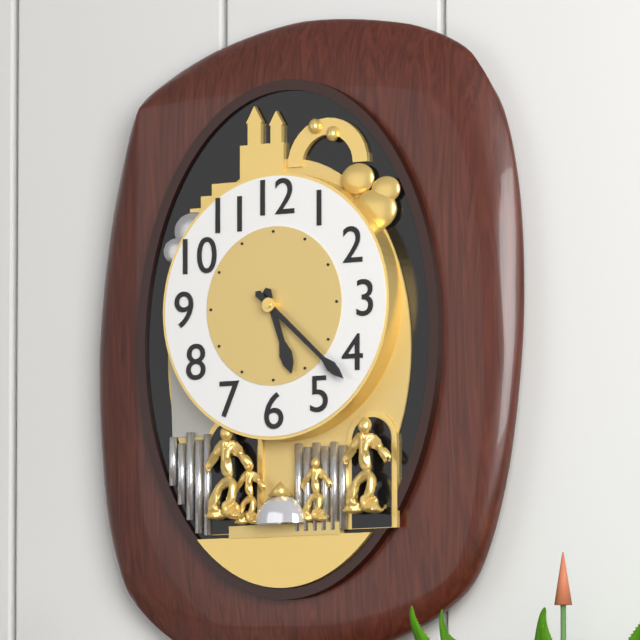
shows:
5,22
